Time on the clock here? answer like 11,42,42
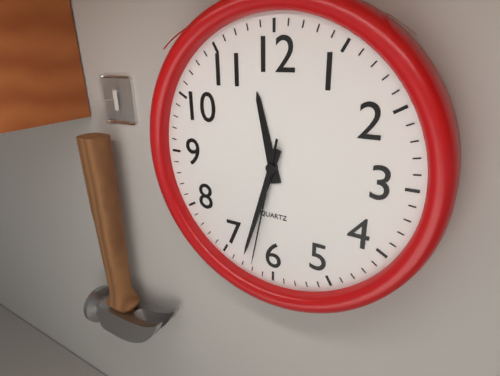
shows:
11,33,32
